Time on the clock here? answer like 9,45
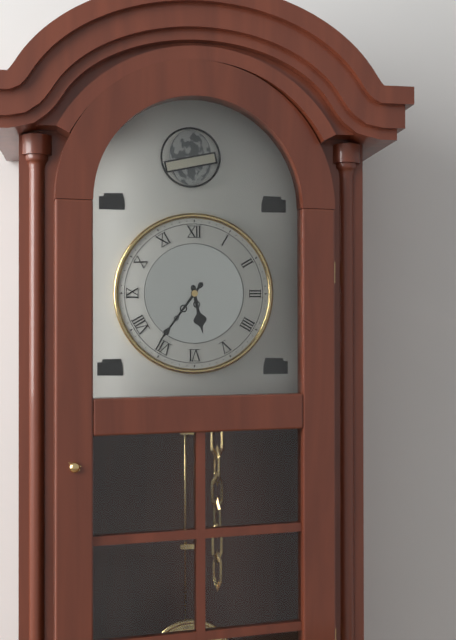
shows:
5,36
